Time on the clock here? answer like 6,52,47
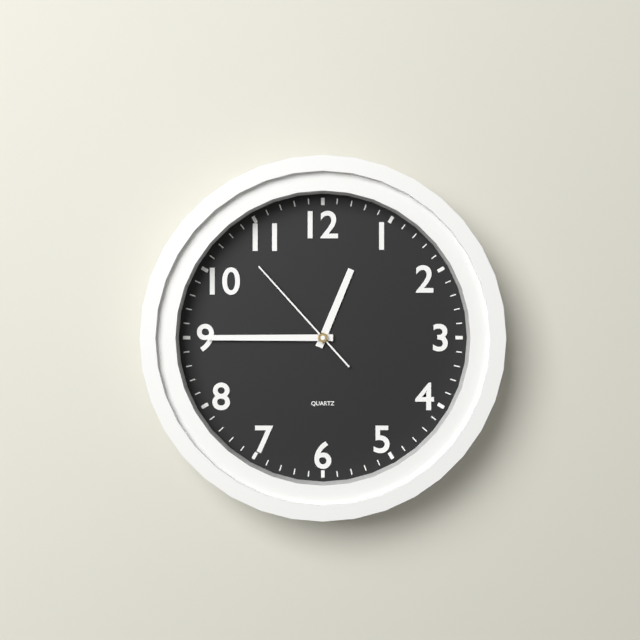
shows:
12,45,53
